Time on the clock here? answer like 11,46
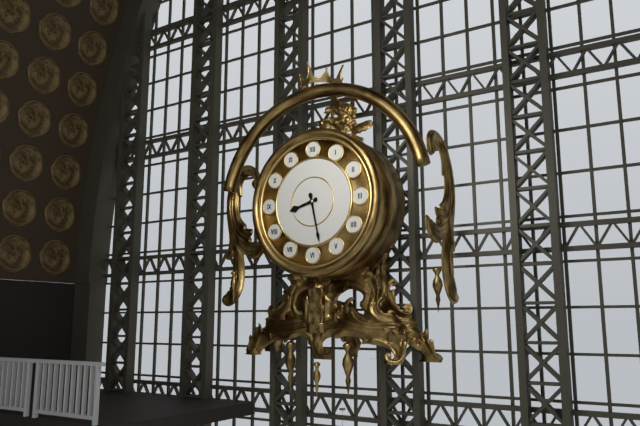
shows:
8,28
